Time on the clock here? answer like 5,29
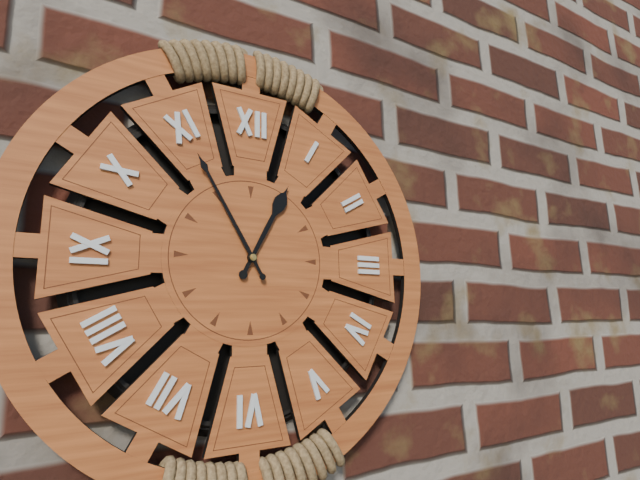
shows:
12,55
